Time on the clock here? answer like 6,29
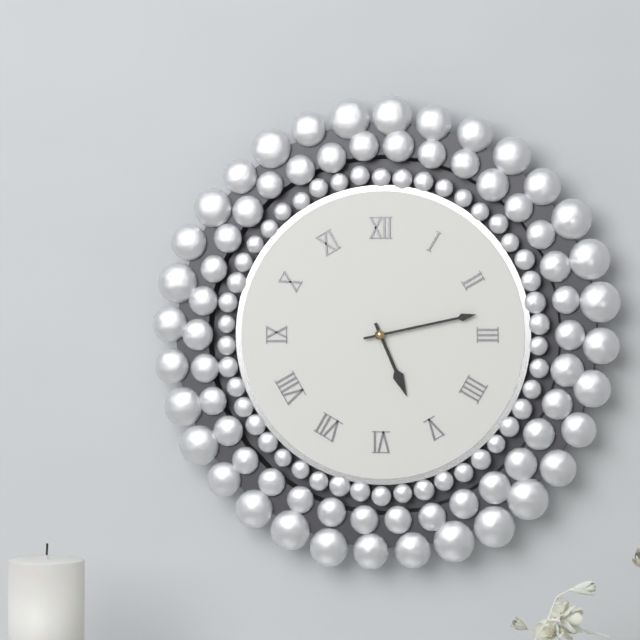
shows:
5,13
